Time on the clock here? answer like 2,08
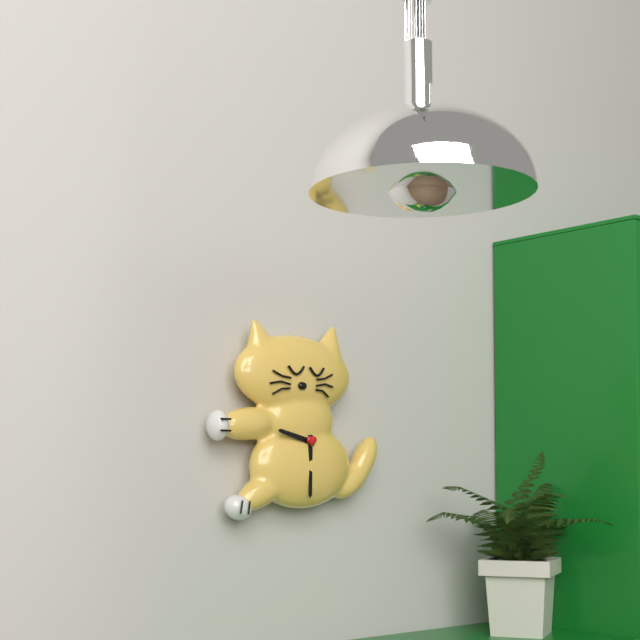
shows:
9,30
